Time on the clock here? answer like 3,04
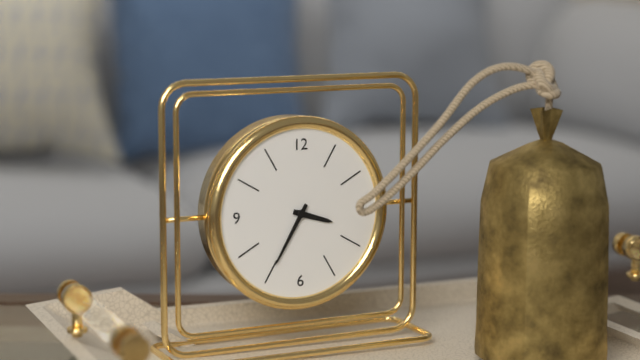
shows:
3,35
